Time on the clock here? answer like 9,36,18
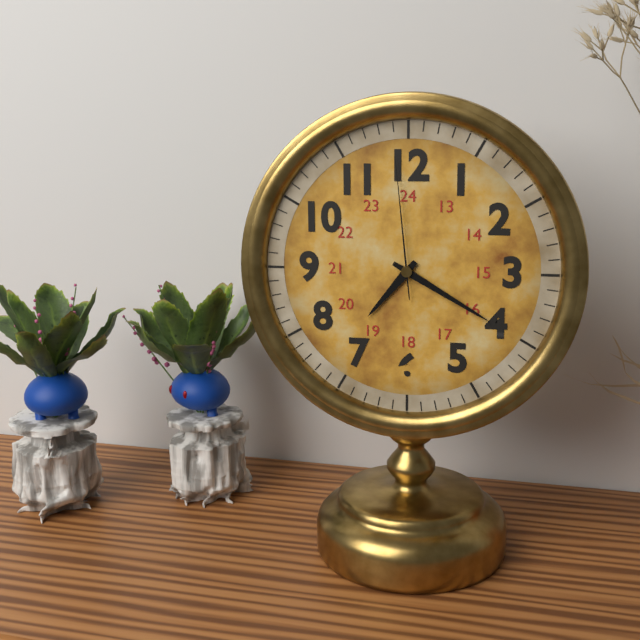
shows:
7,20,59
